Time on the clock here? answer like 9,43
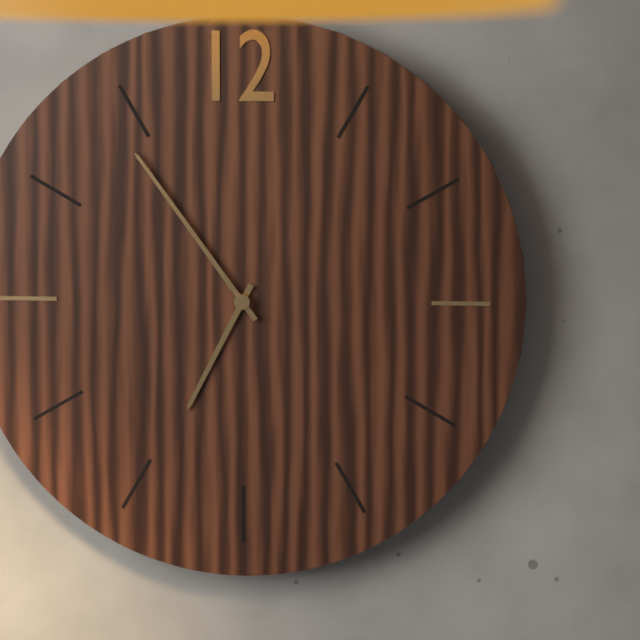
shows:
6,54
